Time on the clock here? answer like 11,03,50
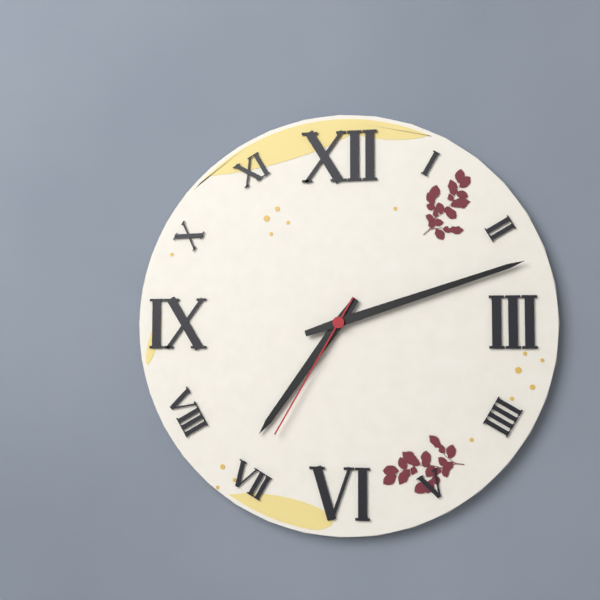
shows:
7,12,35
